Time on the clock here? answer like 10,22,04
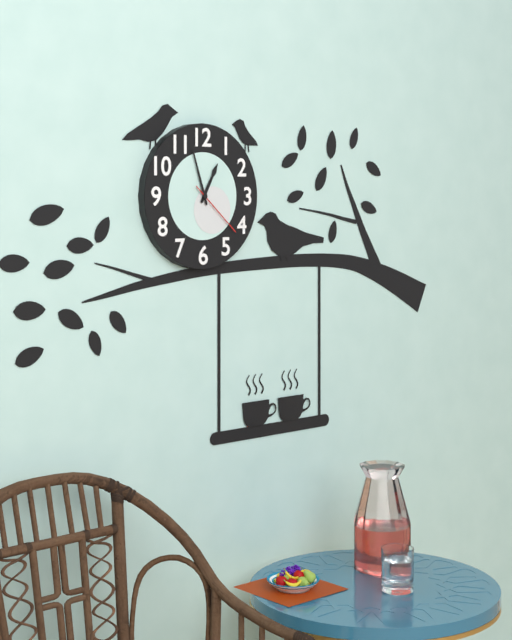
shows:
12,57,22
